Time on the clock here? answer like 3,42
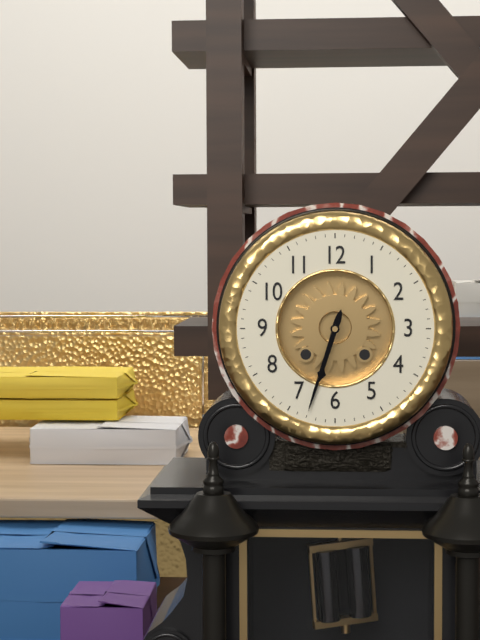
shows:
6,33
